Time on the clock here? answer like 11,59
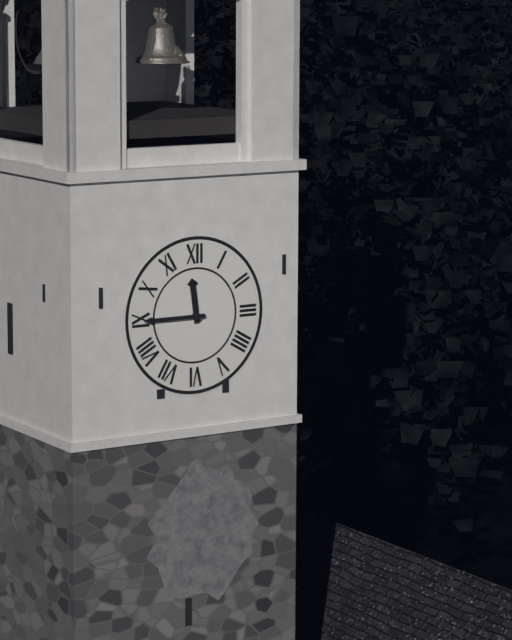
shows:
11,45
